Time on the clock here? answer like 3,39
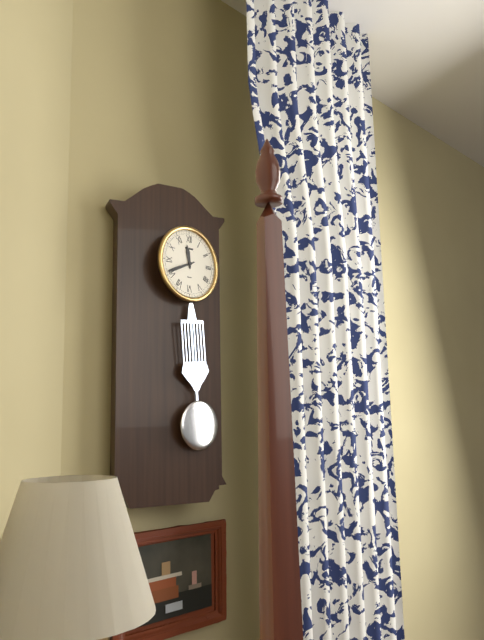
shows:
11,41
